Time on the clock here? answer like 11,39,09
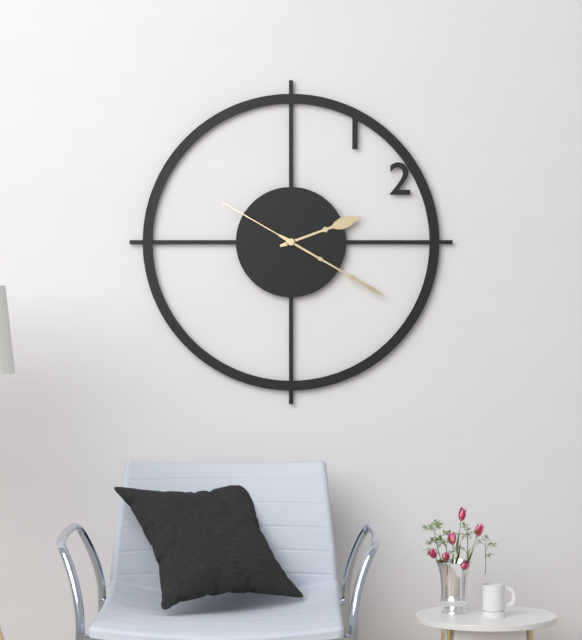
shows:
2,20,50
